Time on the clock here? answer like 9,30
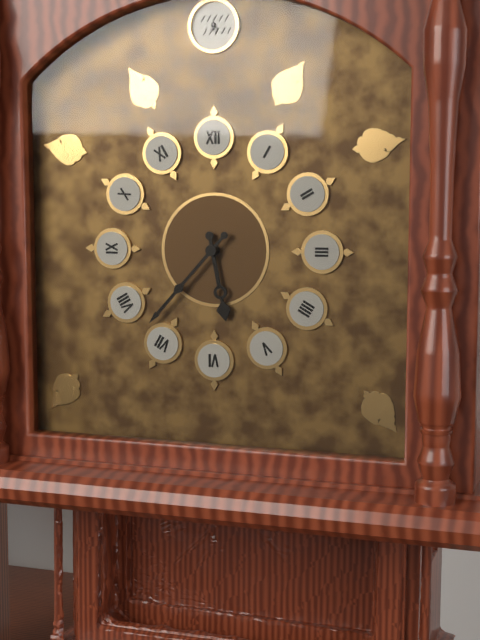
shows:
5,37
